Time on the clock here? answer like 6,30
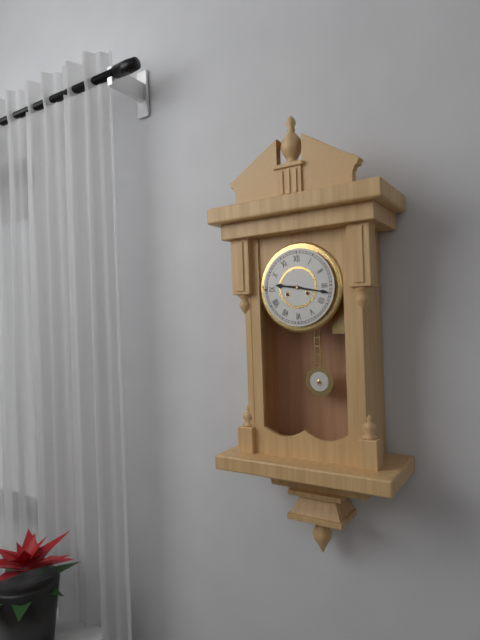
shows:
9,17
